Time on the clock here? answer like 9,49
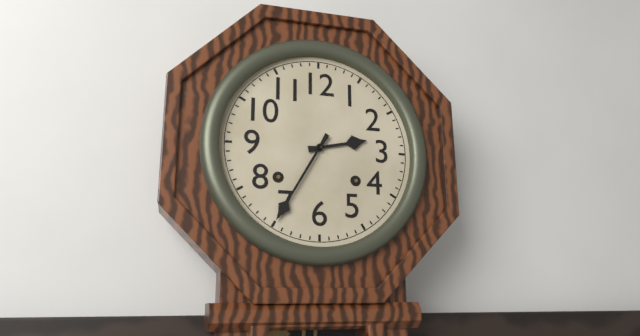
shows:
2,35
